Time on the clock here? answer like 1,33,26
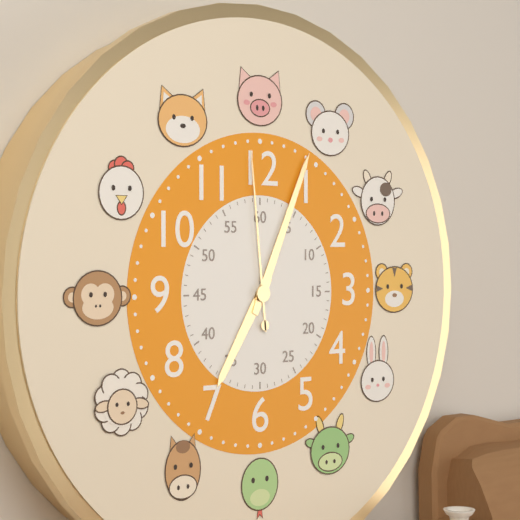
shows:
7,04,59
